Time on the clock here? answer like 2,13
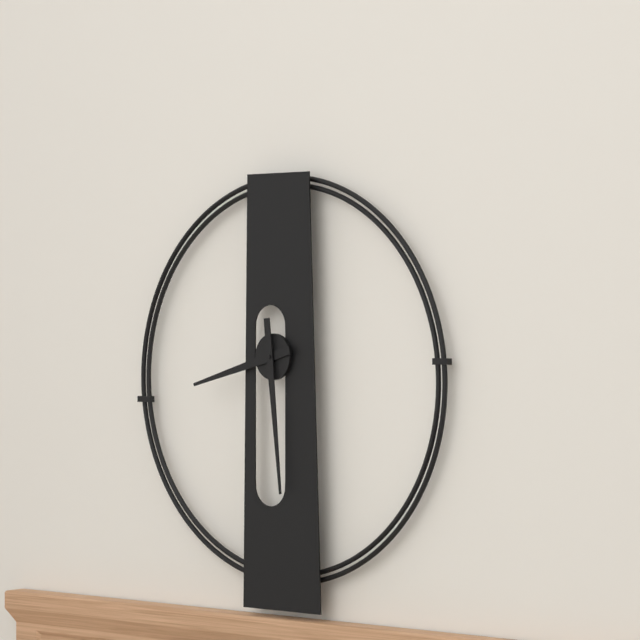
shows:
8,29
